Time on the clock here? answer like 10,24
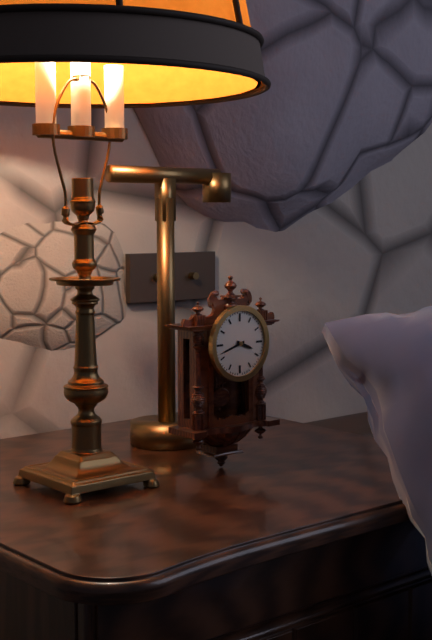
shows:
3,42
